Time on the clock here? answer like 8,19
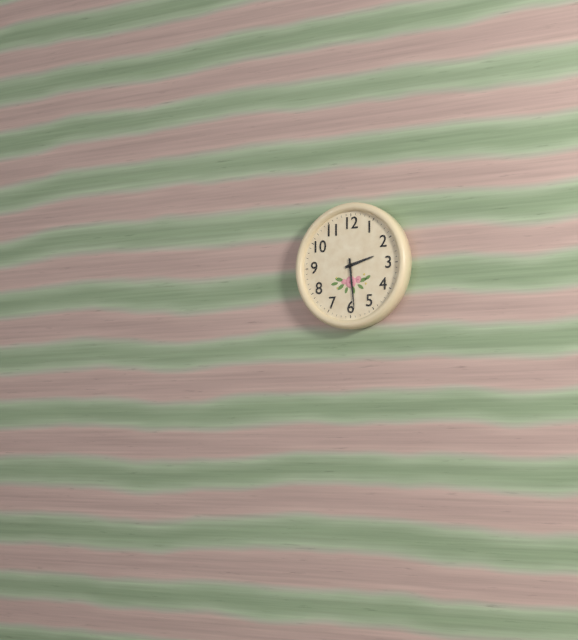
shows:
2,29
